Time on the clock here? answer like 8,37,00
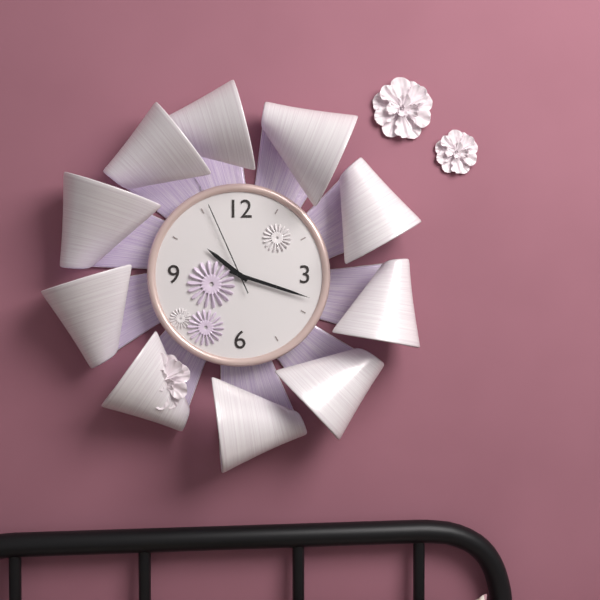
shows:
10,18,56
